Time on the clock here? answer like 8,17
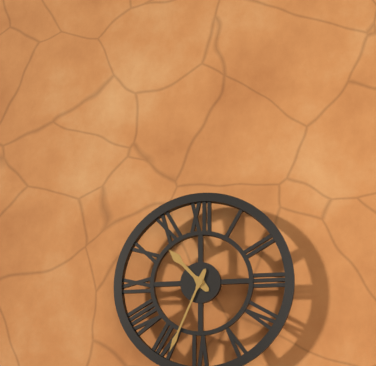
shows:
10,34
